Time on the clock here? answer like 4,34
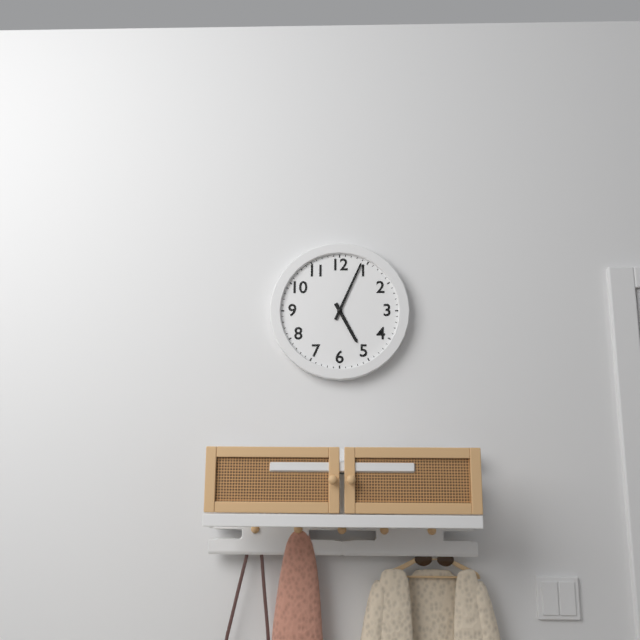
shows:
5,04
